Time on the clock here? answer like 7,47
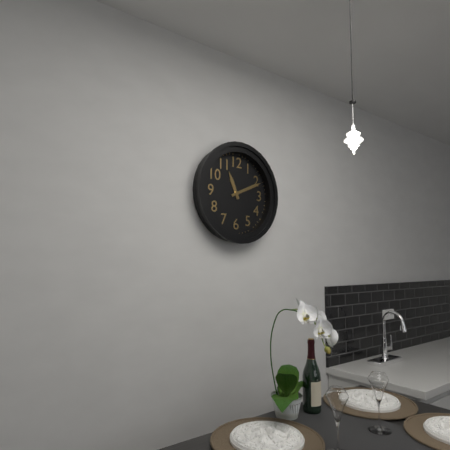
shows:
11,11
